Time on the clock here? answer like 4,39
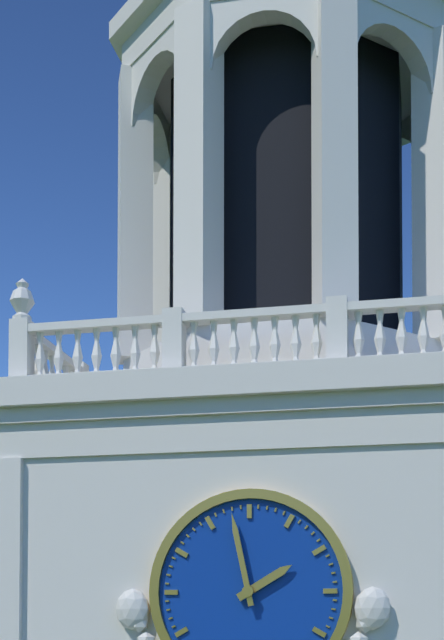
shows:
1,58
